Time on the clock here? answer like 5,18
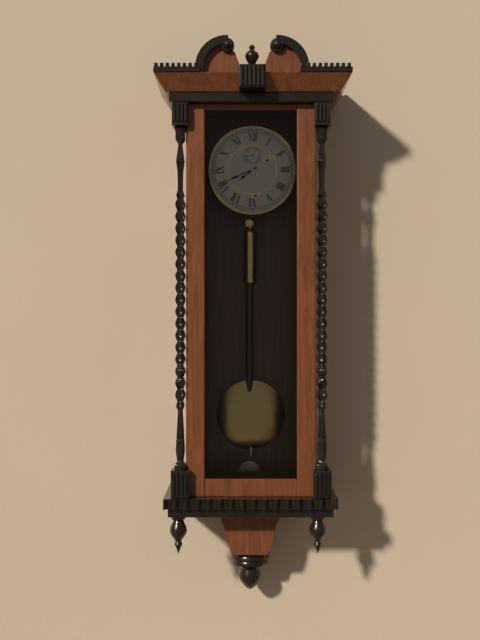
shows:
7,41
